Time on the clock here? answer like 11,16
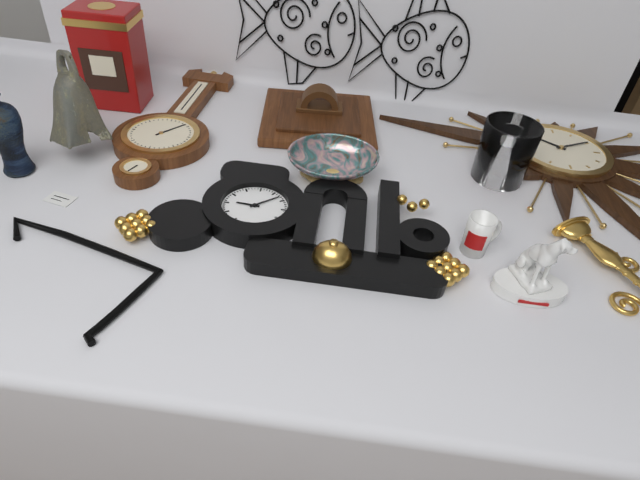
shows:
9,08
